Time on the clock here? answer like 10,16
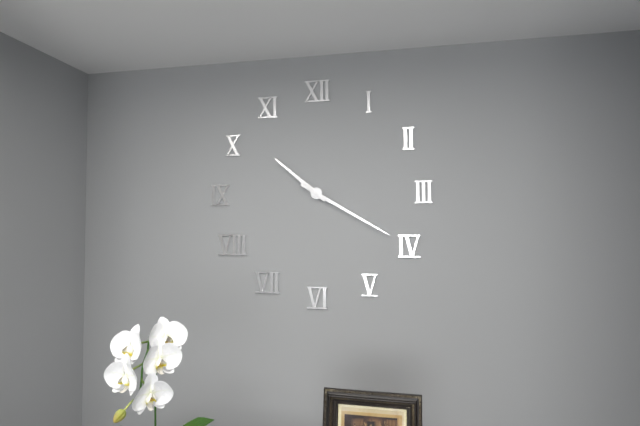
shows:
10,20
